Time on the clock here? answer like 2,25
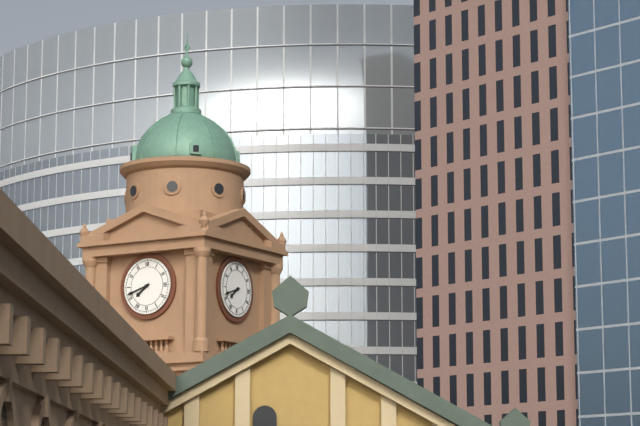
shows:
7,42
